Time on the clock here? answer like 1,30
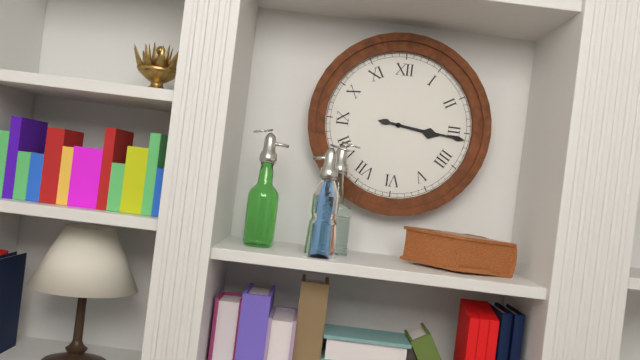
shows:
3,16
